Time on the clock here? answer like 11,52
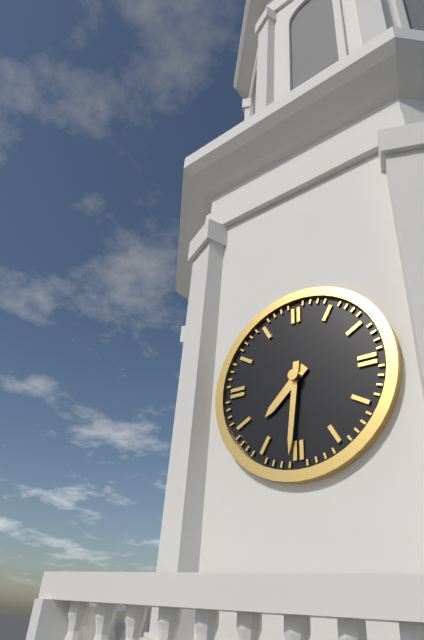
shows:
7,31
